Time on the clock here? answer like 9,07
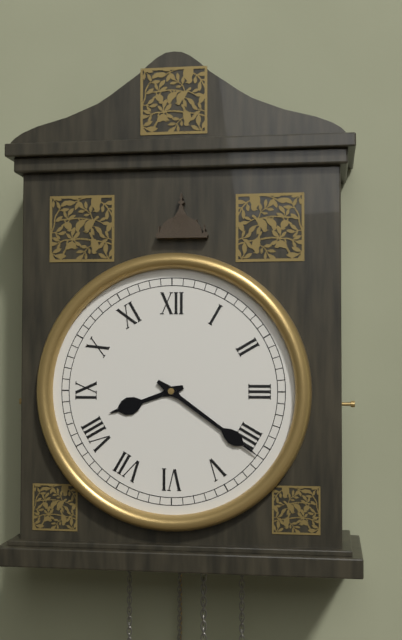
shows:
8,21
